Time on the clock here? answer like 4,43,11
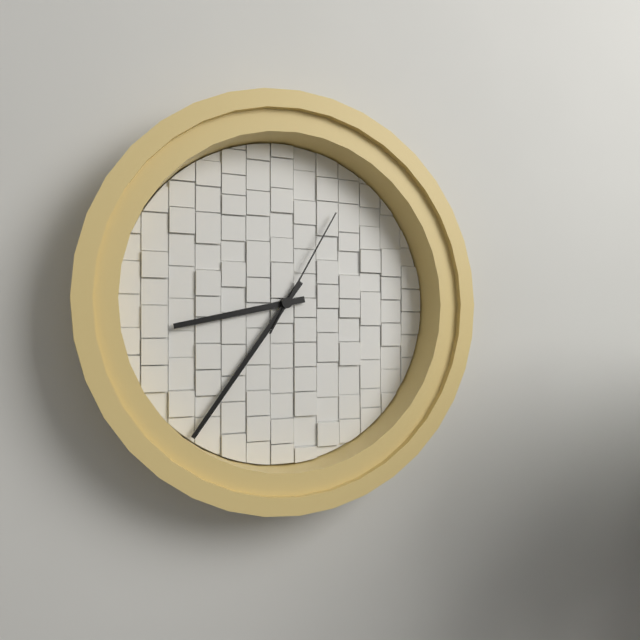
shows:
8,36,05
